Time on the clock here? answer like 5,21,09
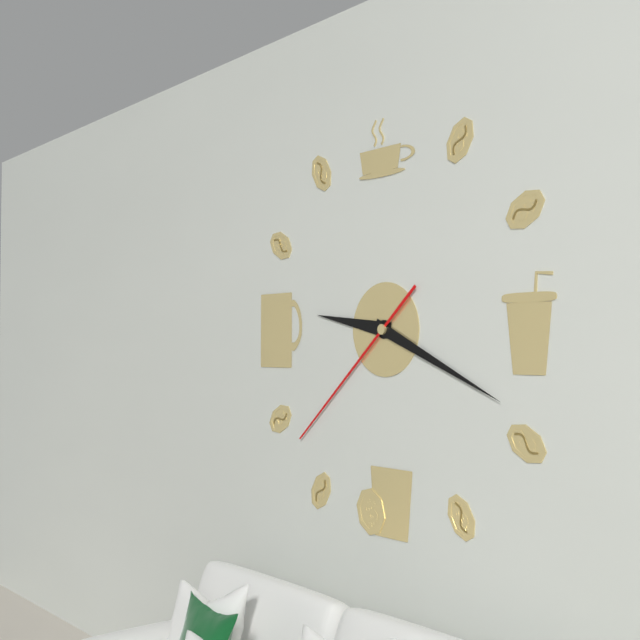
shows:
9,19,38
